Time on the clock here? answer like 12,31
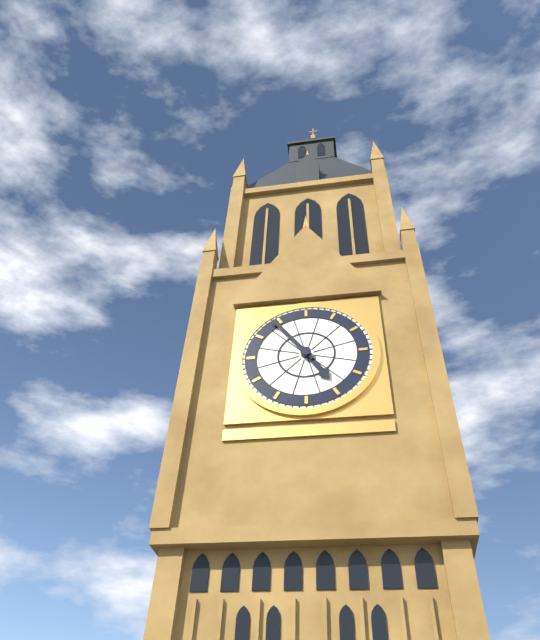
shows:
4,54
